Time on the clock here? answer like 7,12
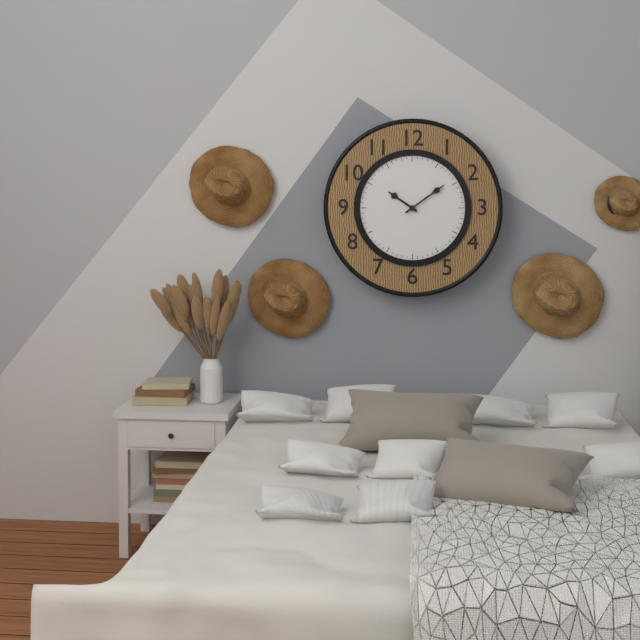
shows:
10,09
